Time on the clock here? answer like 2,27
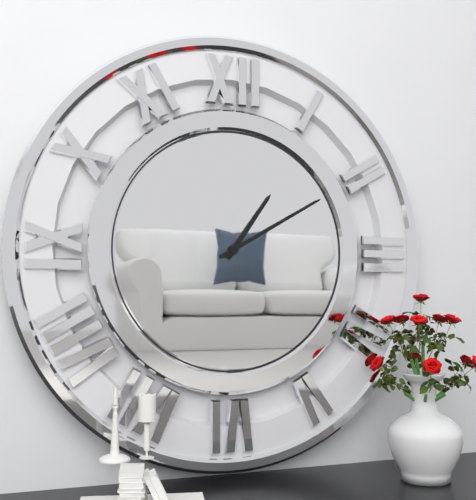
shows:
1,10
